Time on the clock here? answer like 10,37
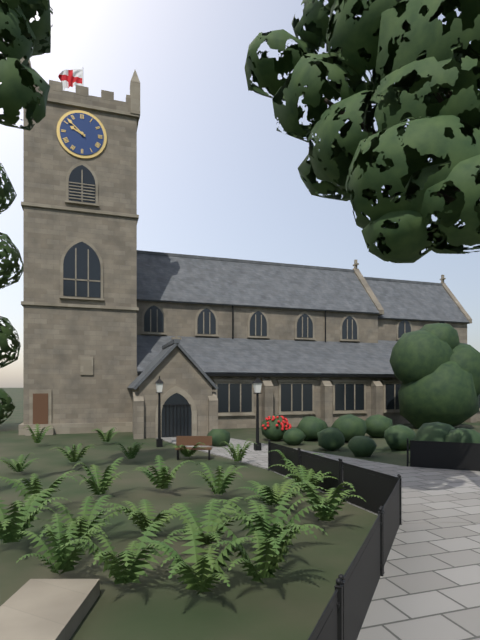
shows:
9,52
